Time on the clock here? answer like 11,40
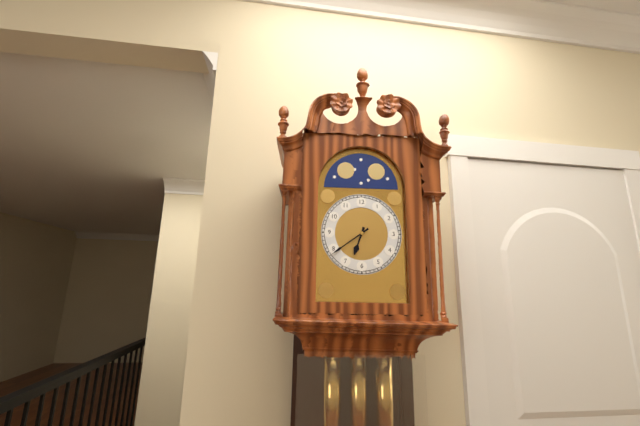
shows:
6,39
